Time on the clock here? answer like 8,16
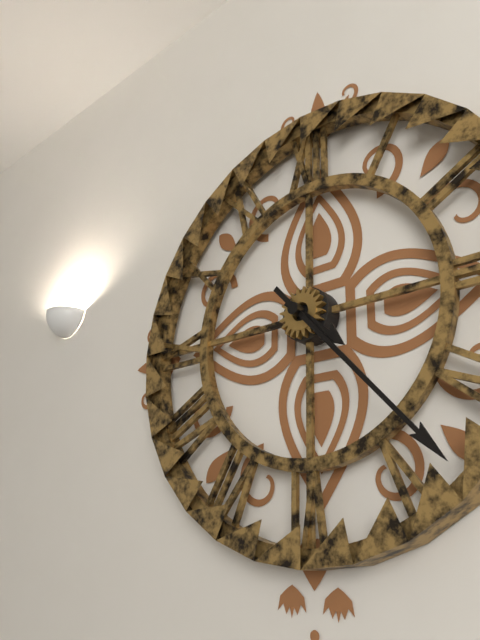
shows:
4,23
